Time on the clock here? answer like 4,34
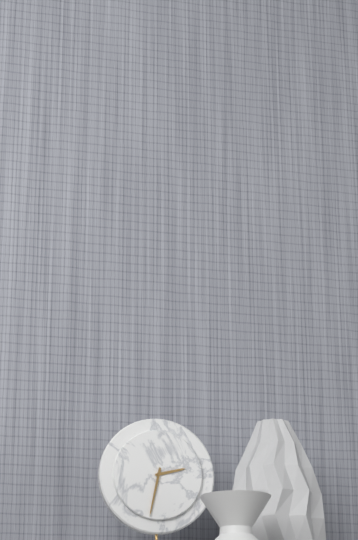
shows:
2,32
